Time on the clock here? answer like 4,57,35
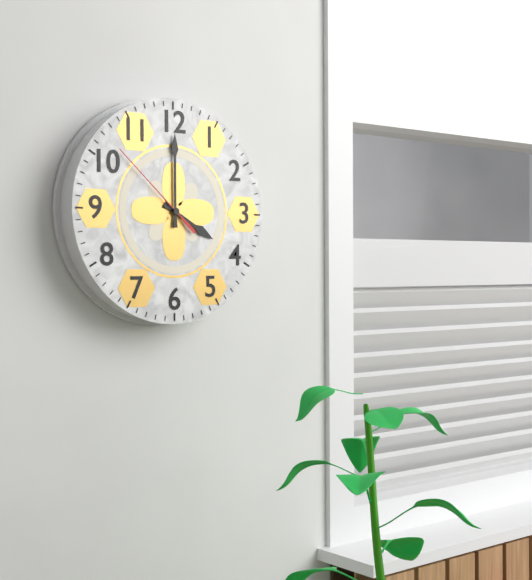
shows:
4,00,52
